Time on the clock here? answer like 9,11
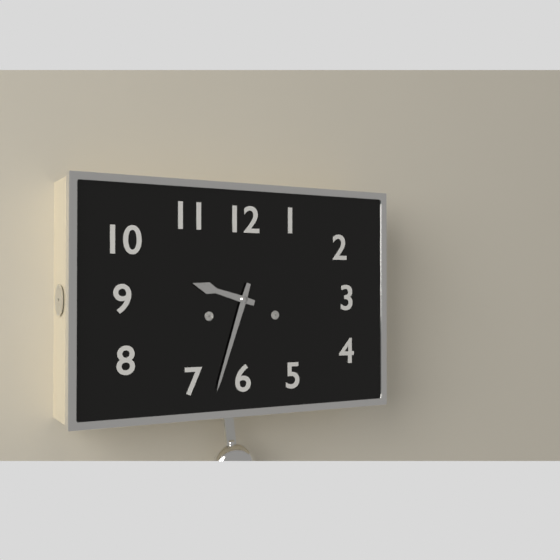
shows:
9,33
